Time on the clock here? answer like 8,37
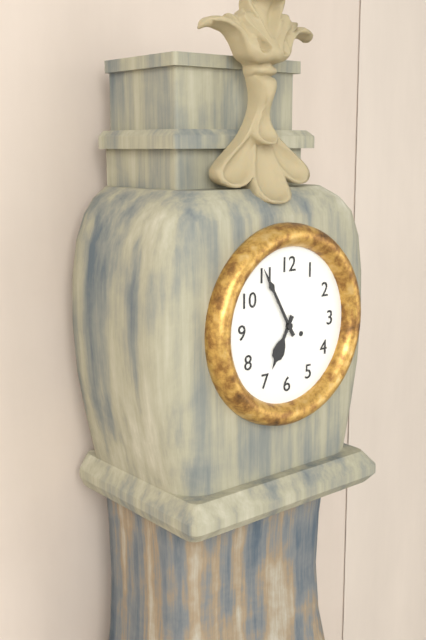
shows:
6,55
